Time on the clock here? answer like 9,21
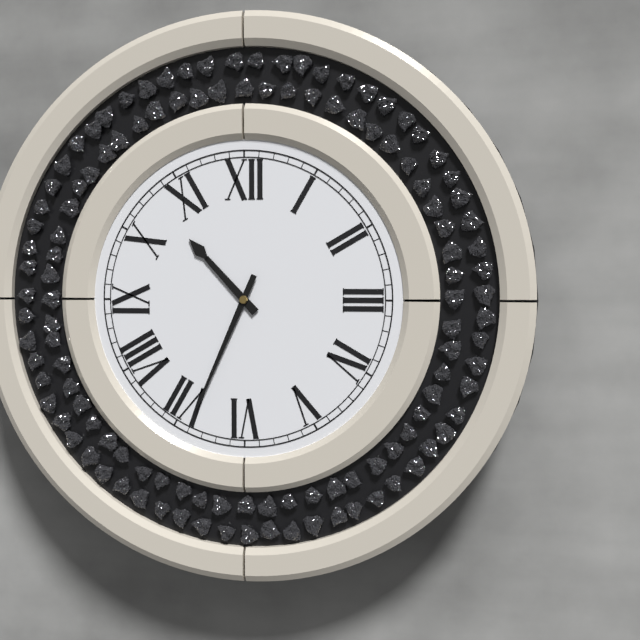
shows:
10,34
